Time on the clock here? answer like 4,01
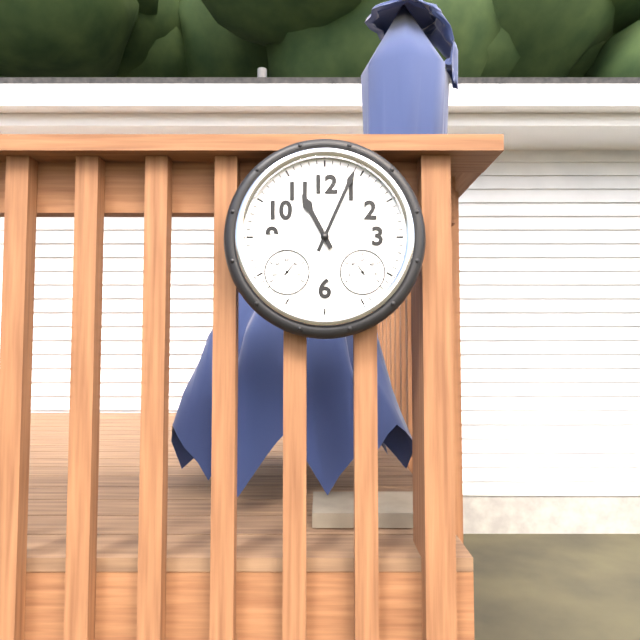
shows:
11,04
